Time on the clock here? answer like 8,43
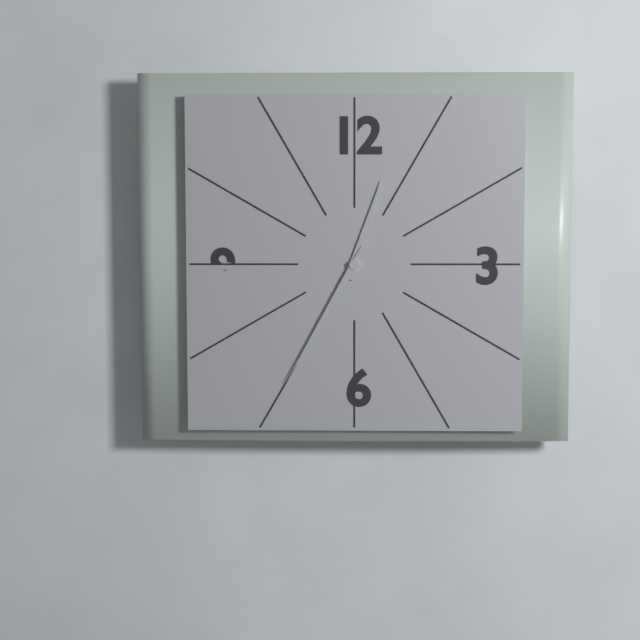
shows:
12,35
